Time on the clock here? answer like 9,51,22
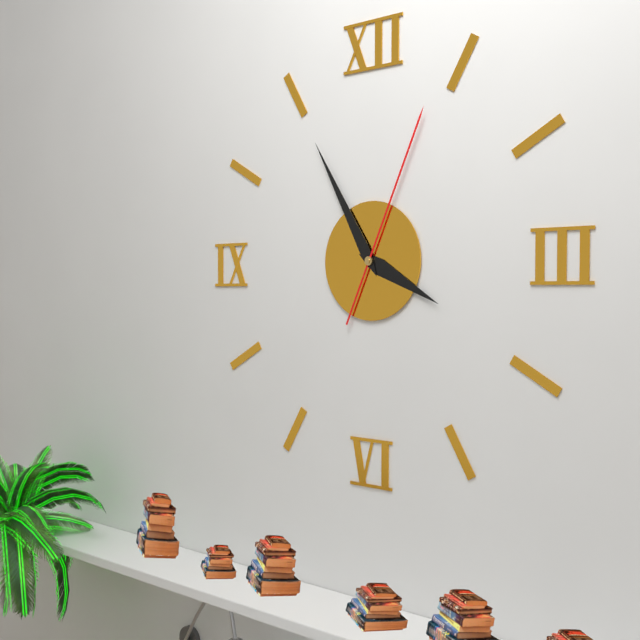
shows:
3,55,04
